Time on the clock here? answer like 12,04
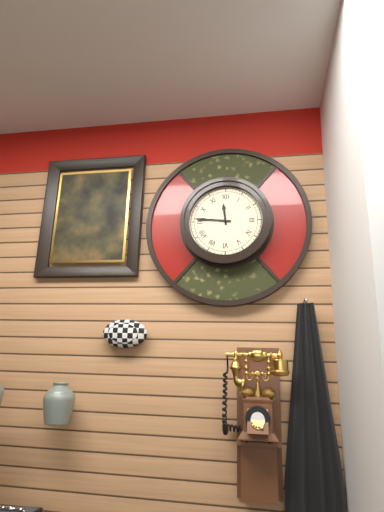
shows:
11,46
